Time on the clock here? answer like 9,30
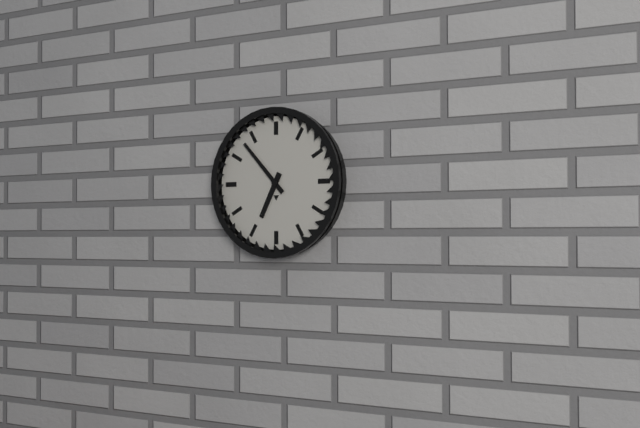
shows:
6,53
